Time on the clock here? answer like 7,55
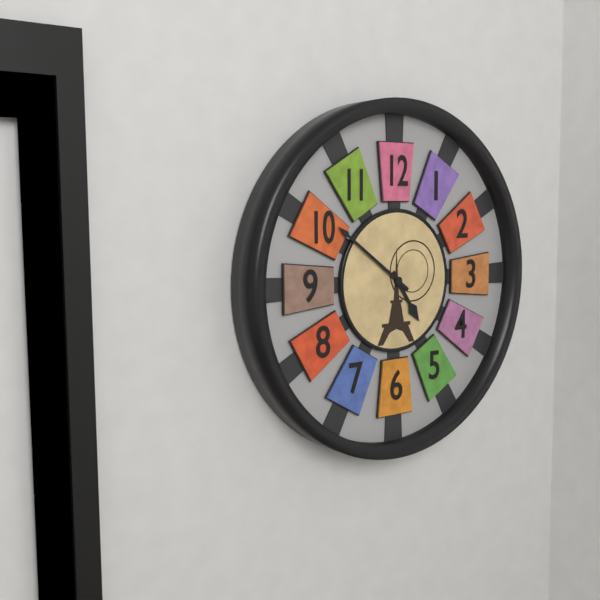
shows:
4,51
